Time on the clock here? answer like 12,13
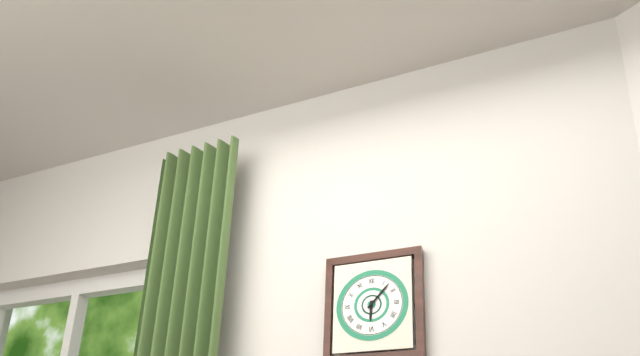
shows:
6,07
